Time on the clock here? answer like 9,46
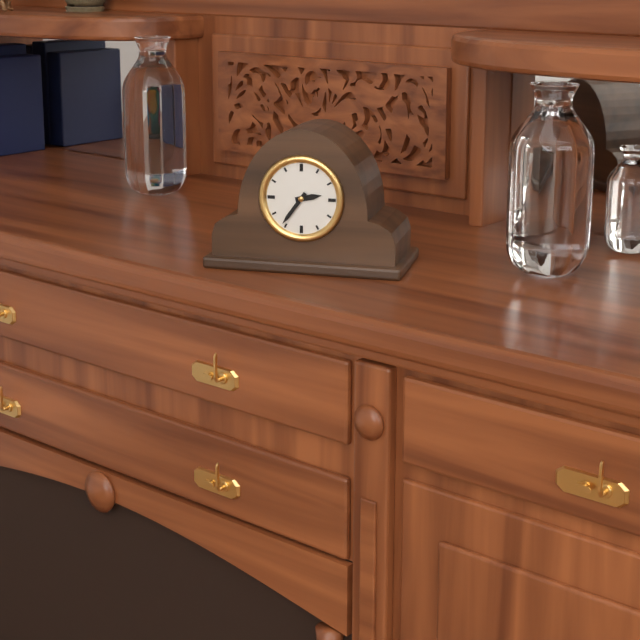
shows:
2,36
